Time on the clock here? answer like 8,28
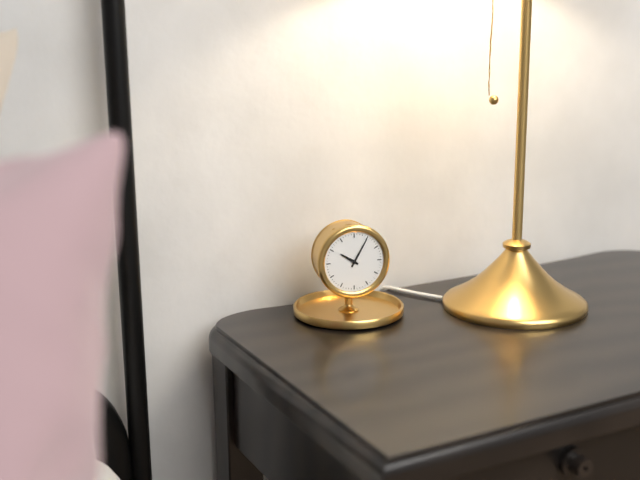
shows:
10,05
